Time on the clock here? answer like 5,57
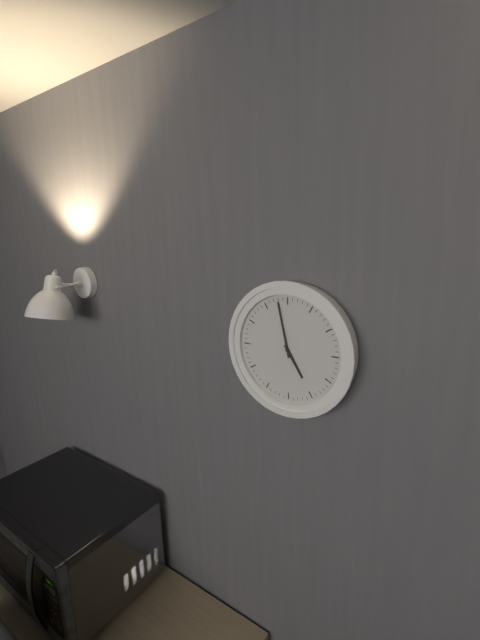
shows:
4,58
